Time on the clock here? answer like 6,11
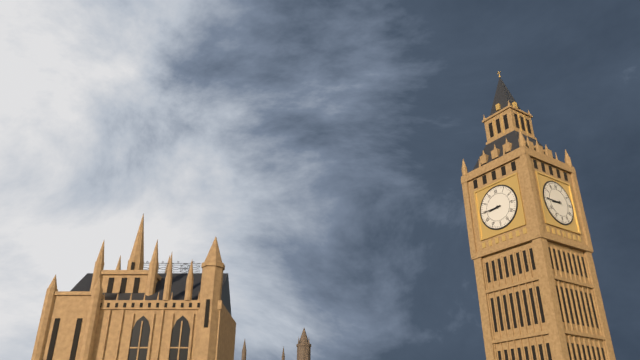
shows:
8,45
